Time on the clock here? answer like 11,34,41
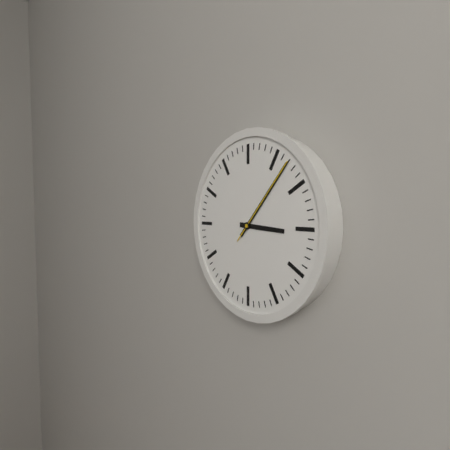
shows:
3,07,07
